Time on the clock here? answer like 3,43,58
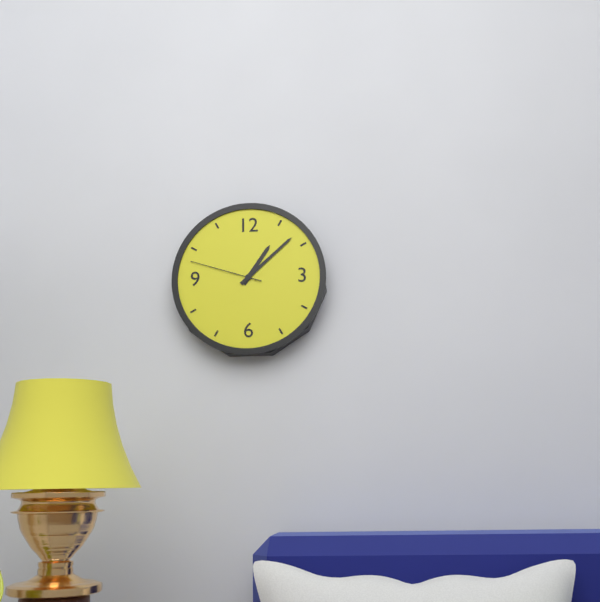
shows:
1,08,48
